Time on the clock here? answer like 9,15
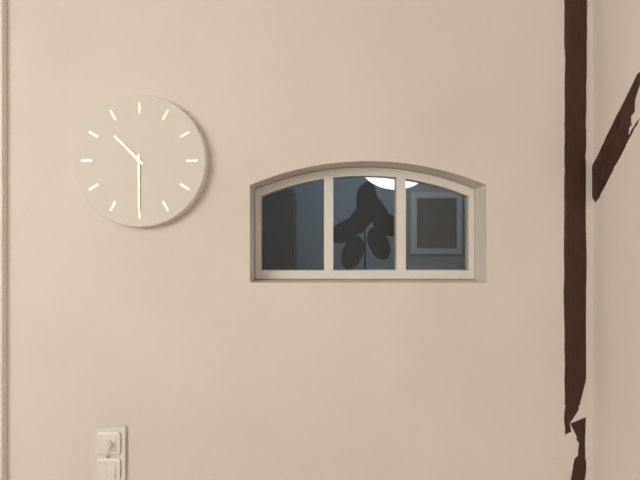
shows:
10,30
